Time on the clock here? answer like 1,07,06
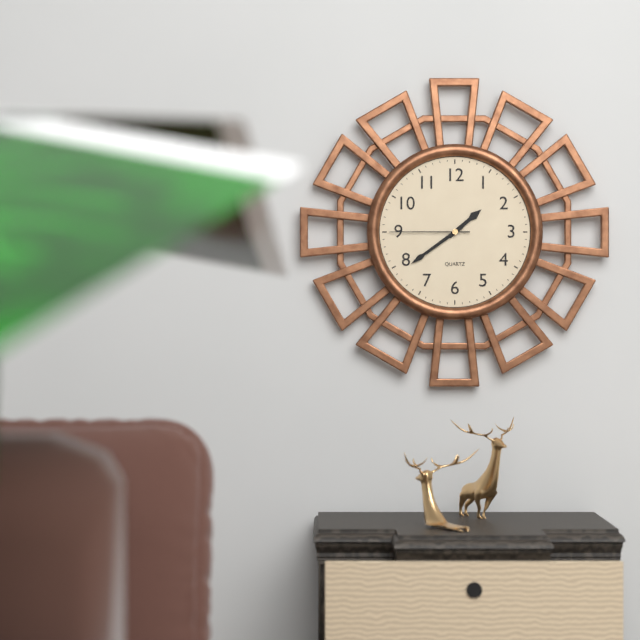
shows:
1,39,45
